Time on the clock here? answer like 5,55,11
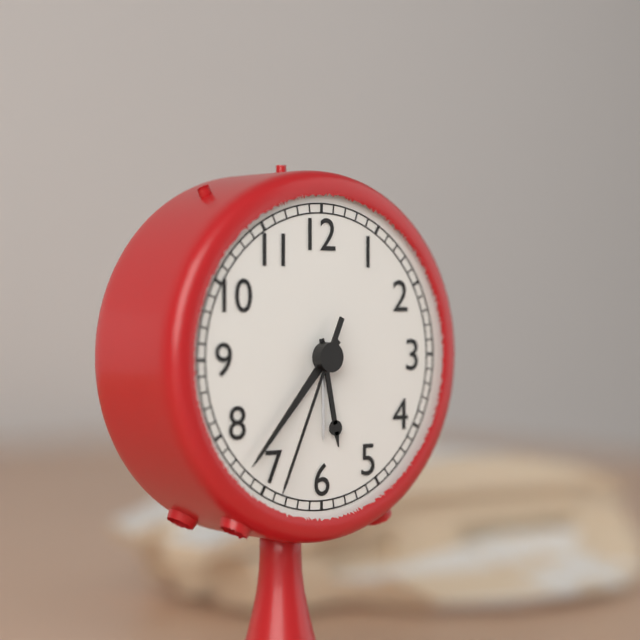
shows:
5,37,34
